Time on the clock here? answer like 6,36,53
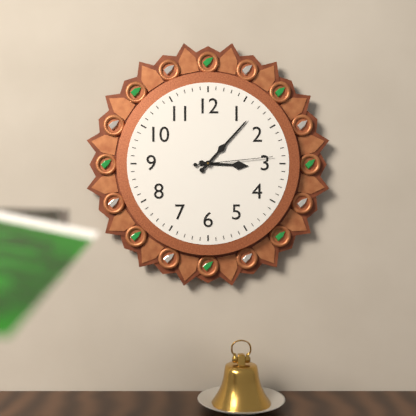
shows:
3,07,14
